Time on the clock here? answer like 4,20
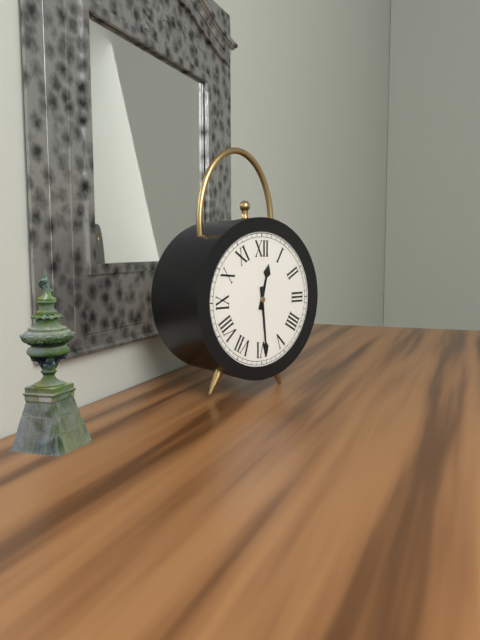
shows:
12,29
